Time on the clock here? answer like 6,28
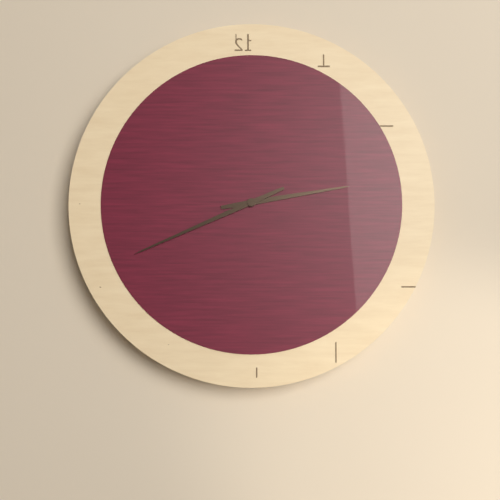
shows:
2,41
